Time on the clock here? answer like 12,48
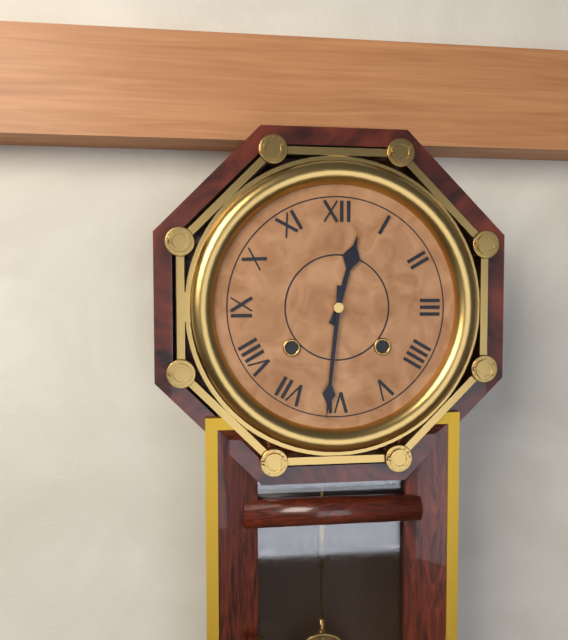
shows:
12,31
